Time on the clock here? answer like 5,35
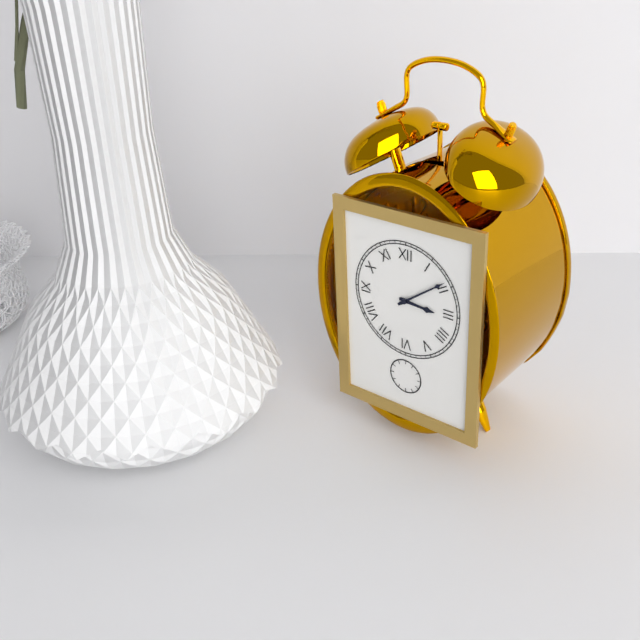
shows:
3,09
